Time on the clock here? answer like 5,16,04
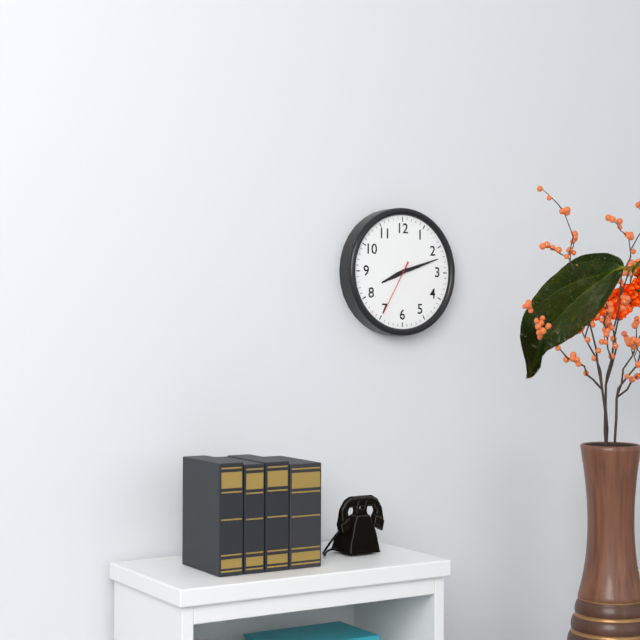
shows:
8,12,35
